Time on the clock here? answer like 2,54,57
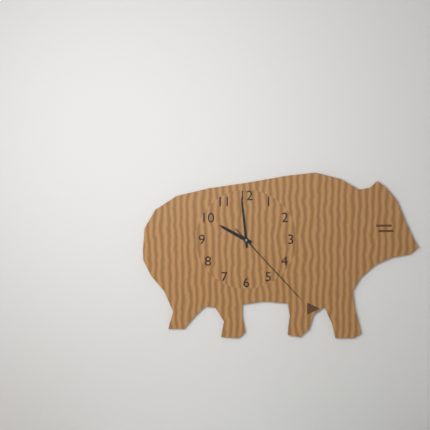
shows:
9,59,23
